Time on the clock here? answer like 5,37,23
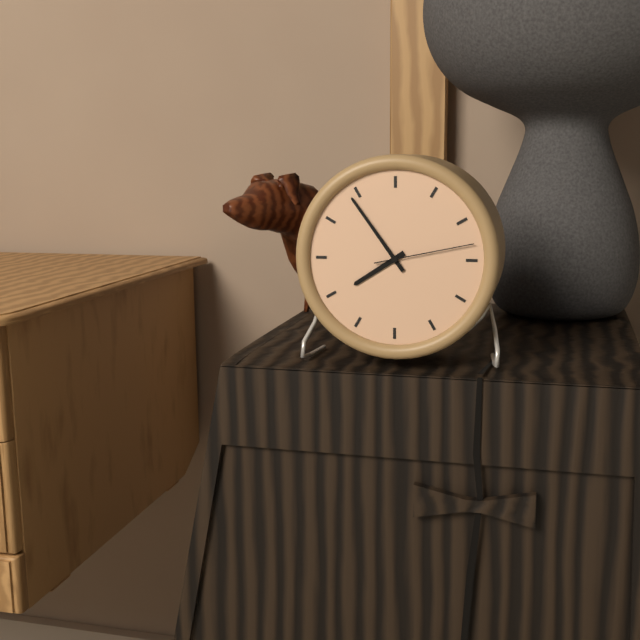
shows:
7,54,13
